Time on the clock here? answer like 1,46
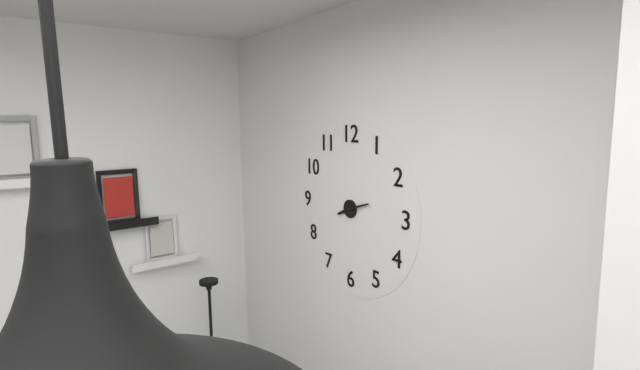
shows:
8,12
